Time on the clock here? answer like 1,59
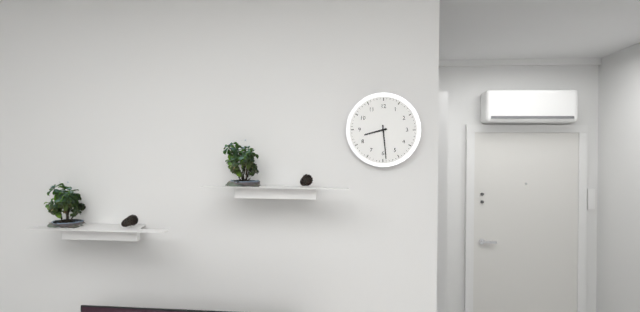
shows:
8,29
